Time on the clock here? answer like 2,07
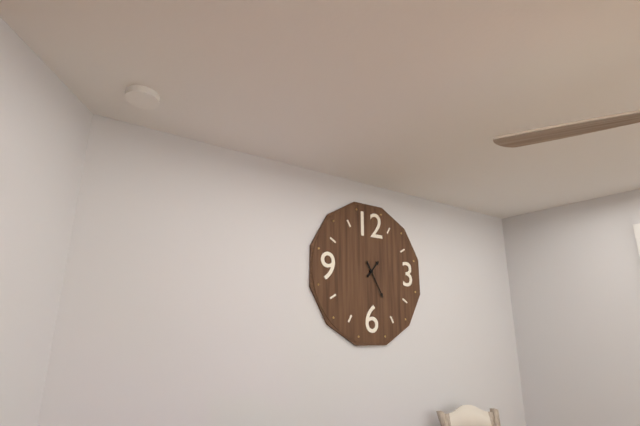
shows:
1,25
